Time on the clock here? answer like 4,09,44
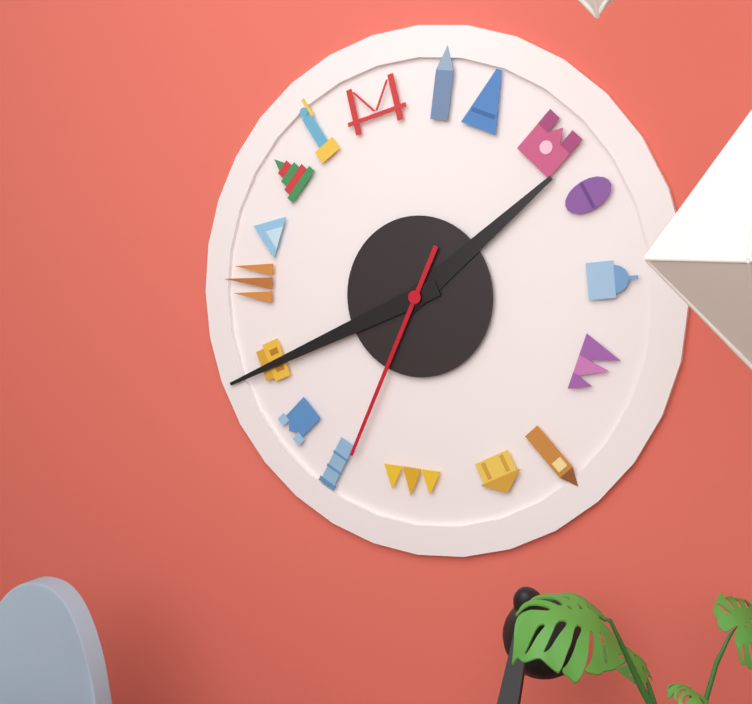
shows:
1,41,34
